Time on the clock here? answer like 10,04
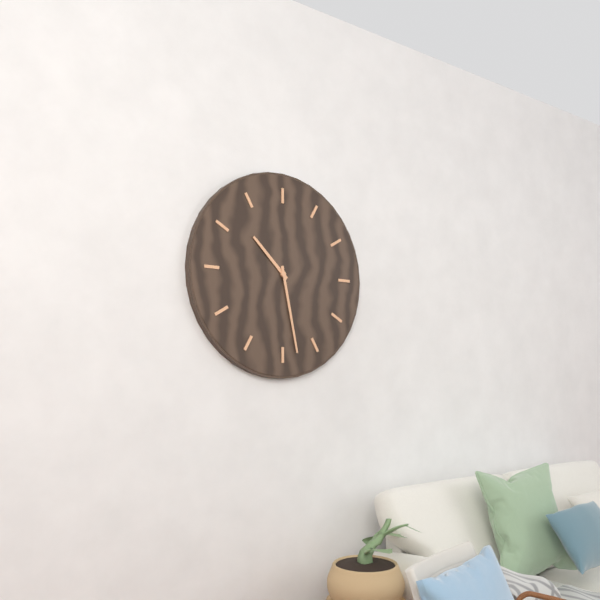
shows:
10,28
